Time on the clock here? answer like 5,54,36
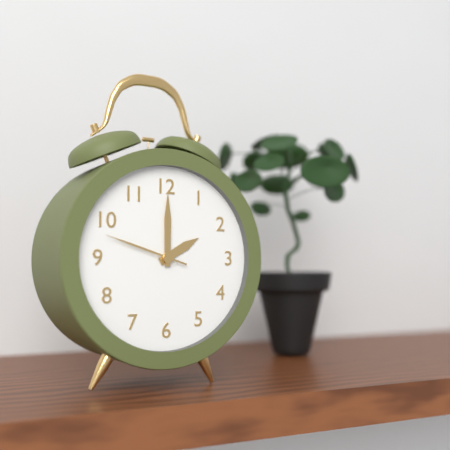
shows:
2,00,48
